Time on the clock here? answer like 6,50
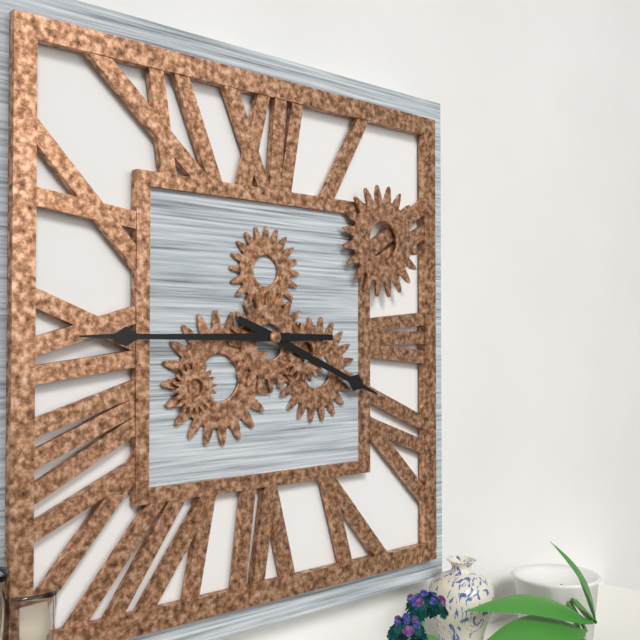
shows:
3,45
